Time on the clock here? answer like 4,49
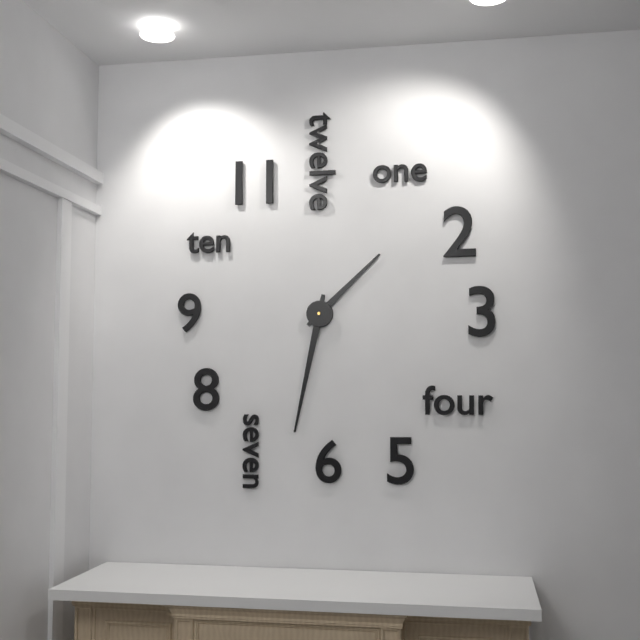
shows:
1,32
